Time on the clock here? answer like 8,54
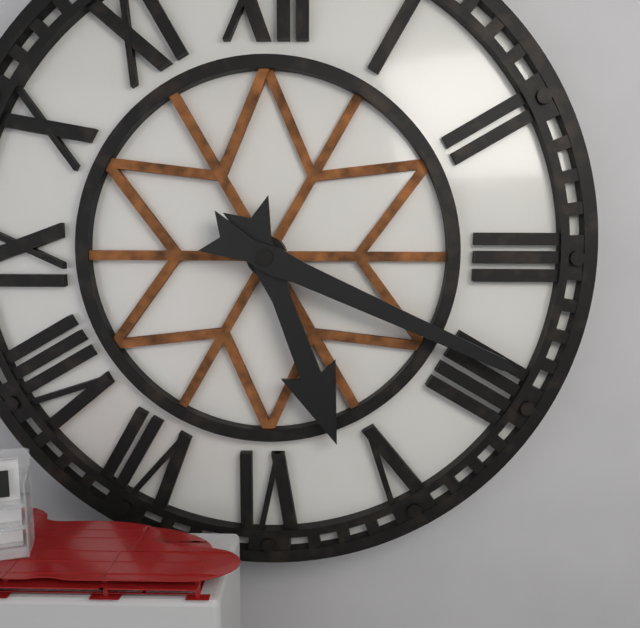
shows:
5,19
